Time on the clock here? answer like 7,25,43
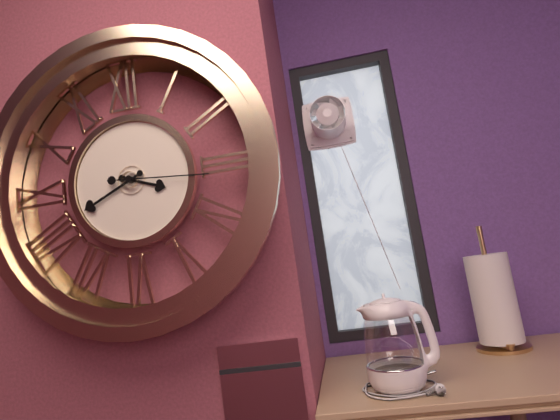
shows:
3,41,16
